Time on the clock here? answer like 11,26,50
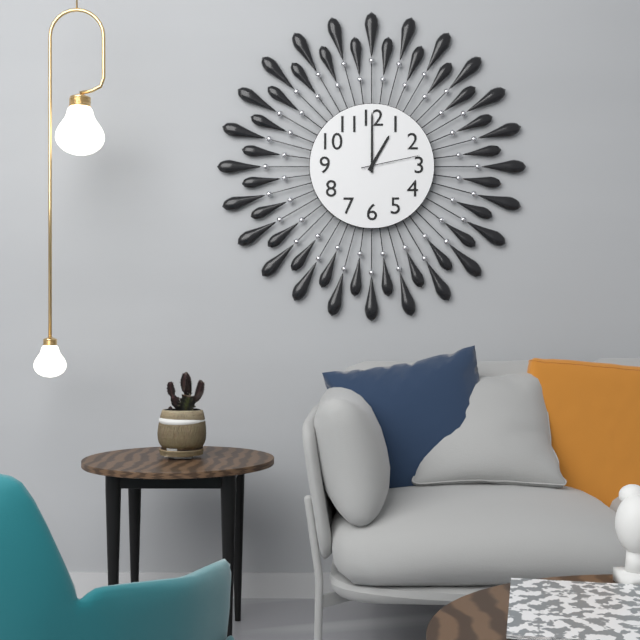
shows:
1,00,13
